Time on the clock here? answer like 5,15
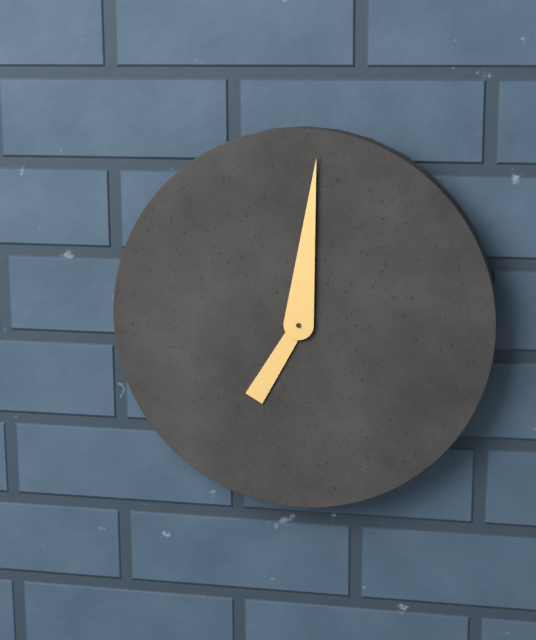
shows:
7,01
